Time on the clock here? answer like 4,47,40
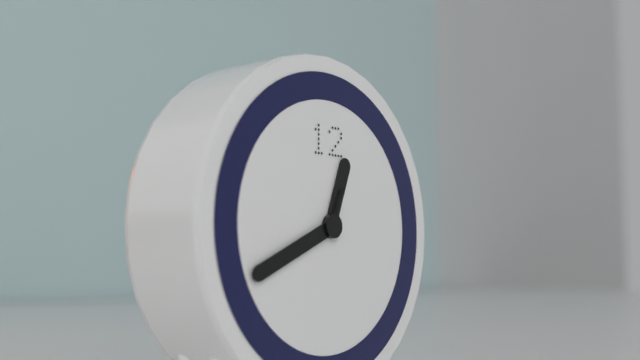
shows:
12,41,04
